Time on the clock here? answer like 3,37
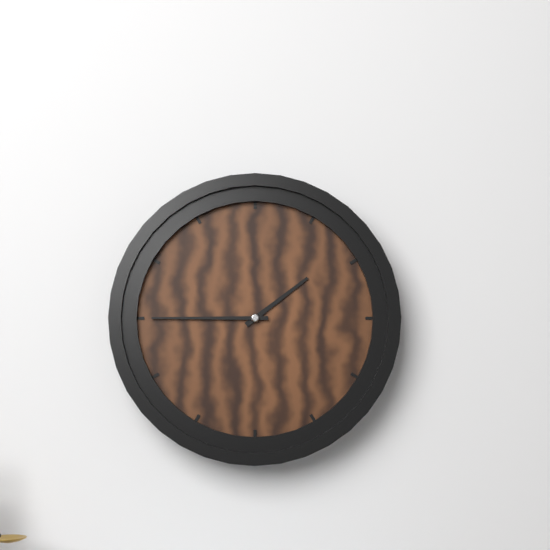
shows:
1,45
